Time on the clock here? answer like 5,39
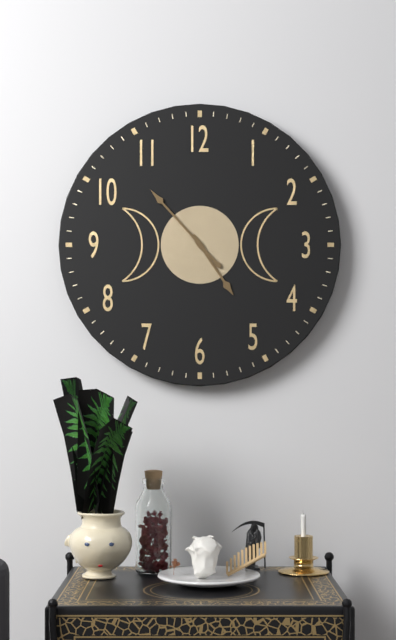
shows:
4,53
